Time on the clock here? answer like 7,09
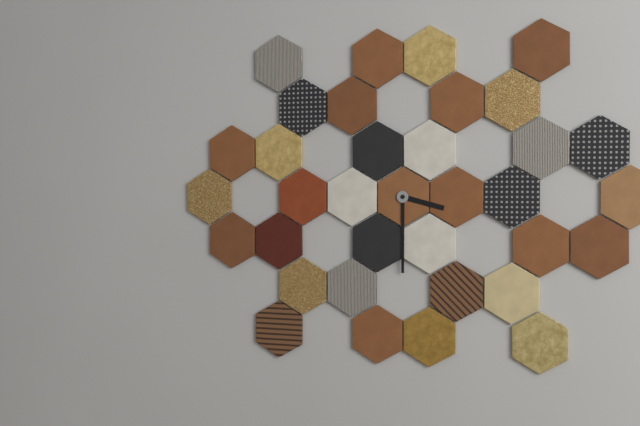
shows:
3,30
